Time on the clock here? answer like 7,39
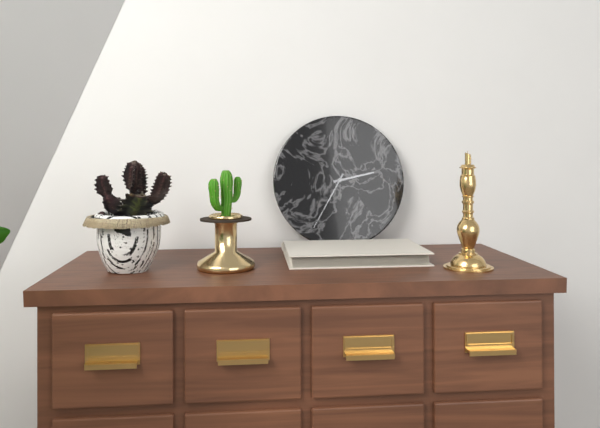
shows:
2,35
